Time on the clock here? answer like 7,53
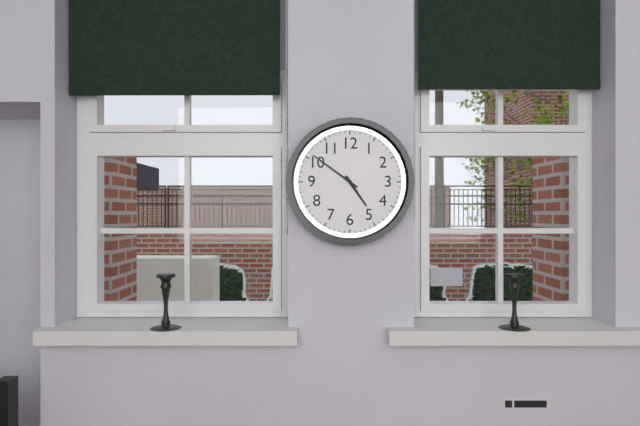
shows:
4,51
